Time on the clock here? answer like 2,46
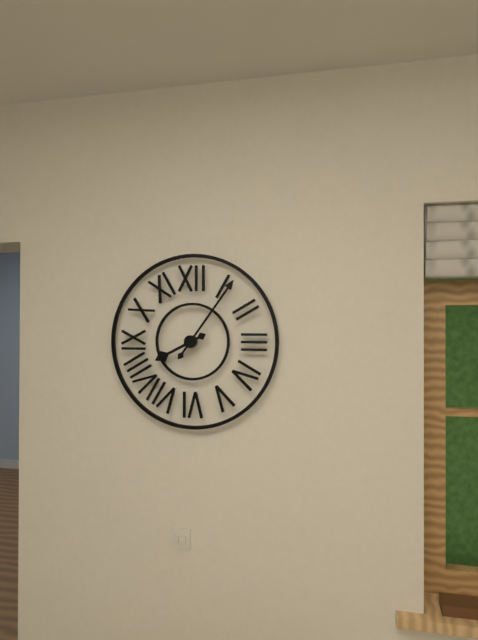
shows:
8,06
